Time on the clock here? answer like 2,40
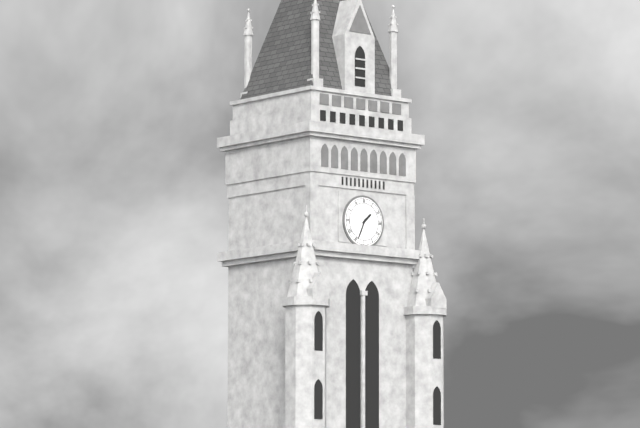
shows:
1,34
